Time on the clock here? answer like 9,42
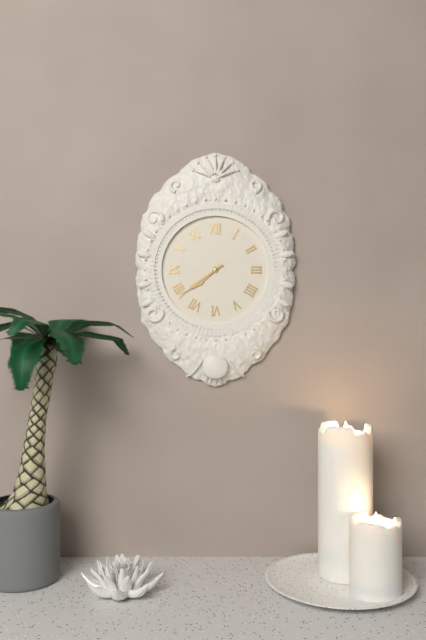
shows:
7,39
